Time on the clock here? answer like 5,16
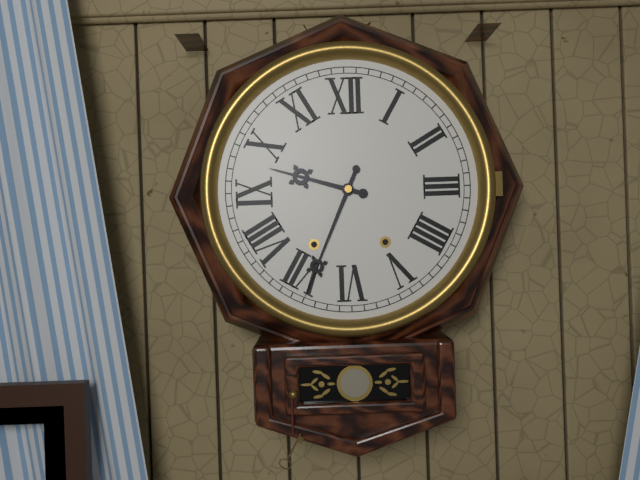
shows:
9,34
